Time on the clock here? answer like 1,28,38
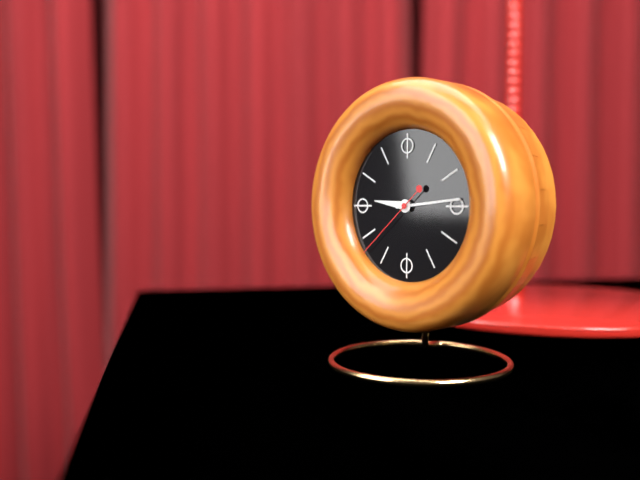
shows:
9,14,38
